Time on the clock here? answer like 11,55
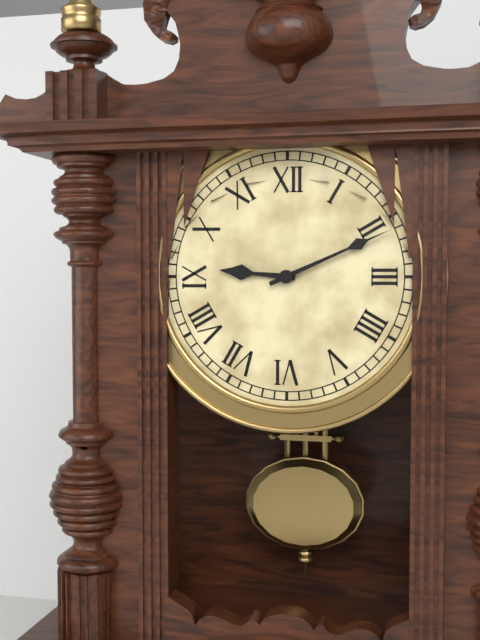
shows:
9,11
